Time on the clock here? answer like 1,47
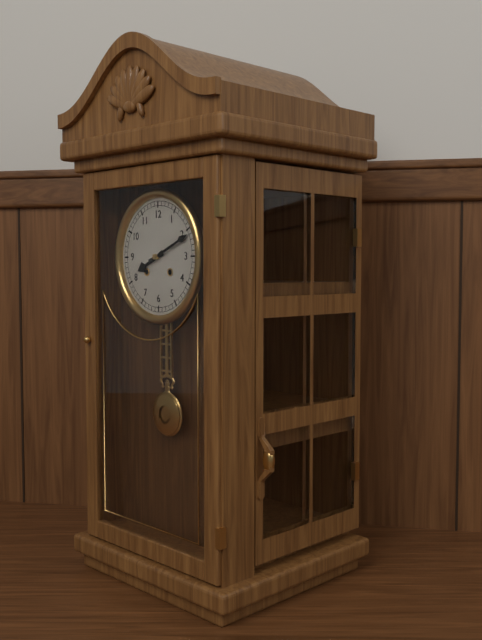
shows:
8,11
